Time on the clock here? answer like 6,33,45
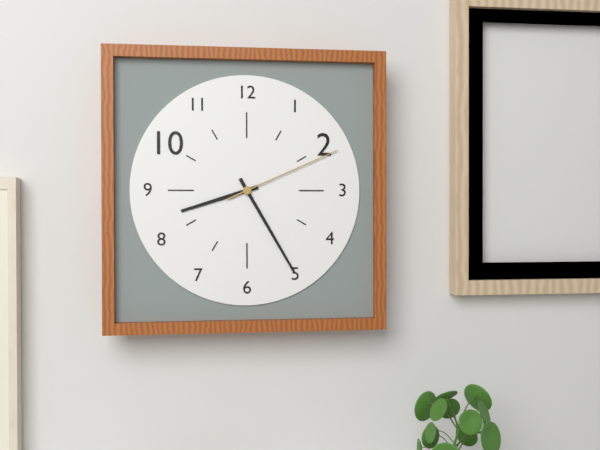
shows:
8,25,11
